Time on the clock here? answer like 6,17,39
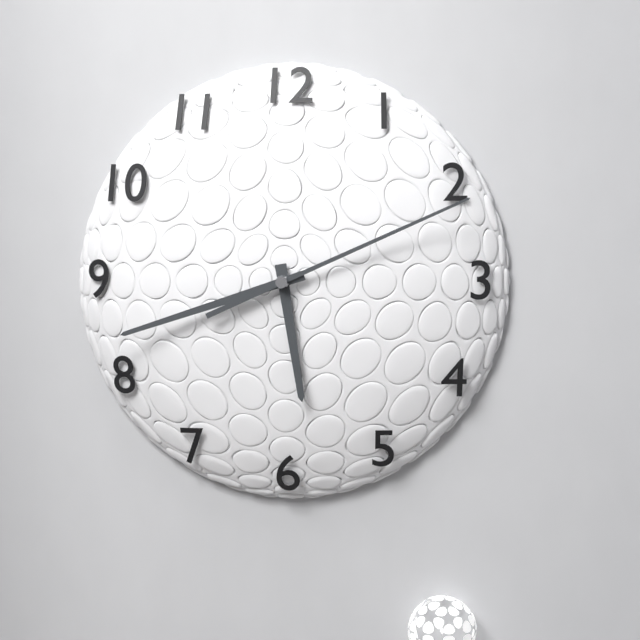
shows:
5,42,11
